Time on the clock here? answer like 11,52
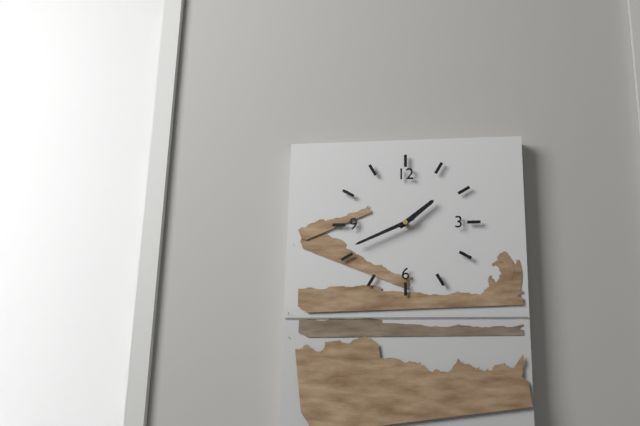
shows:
1,41
